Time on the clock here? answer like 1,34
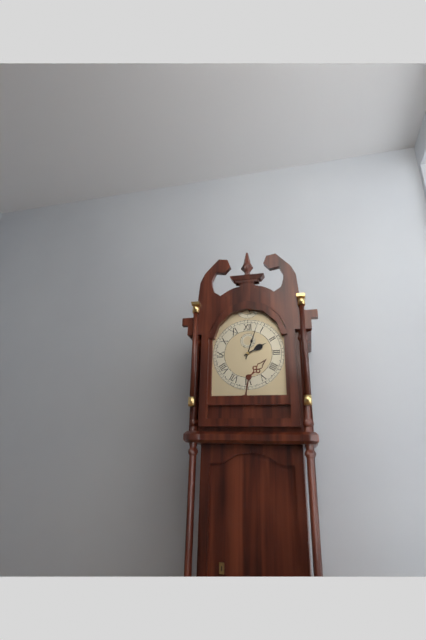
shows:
2,03
